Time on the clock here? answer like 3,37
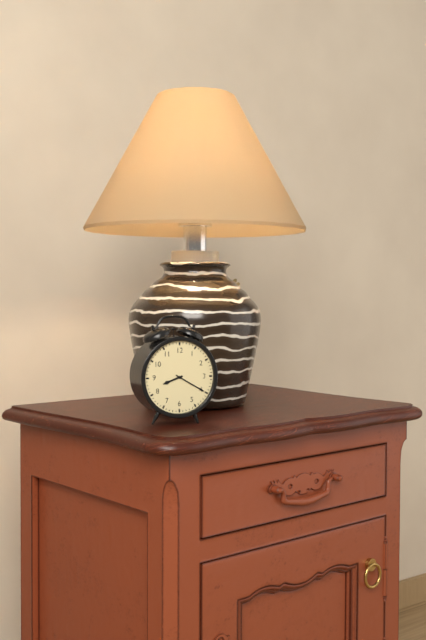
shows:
8,20
